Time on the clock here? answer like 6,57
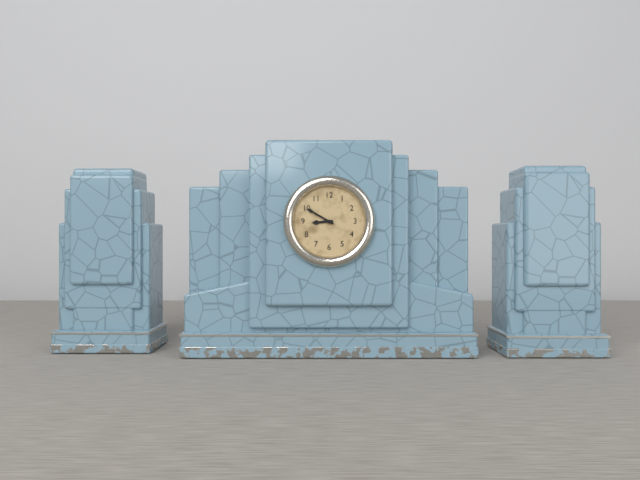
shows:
8,50
